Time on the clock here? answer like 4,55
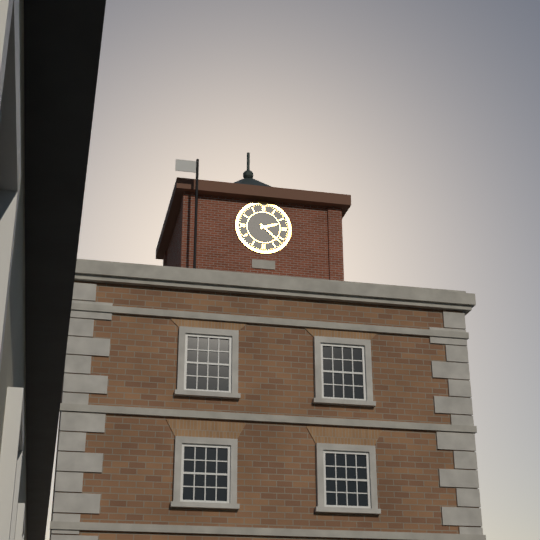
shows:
2,22
